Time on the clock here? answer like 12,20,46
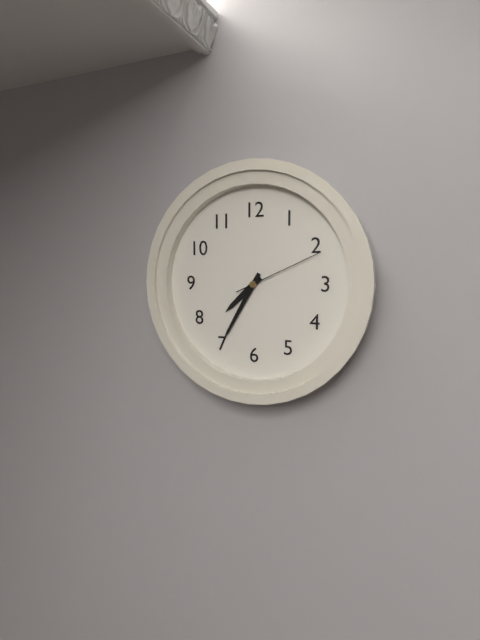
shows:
7,35,11
